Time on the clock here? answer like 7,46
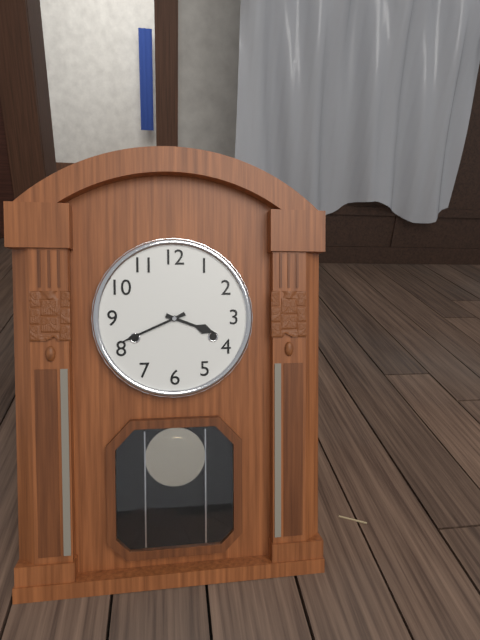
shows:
3,41
